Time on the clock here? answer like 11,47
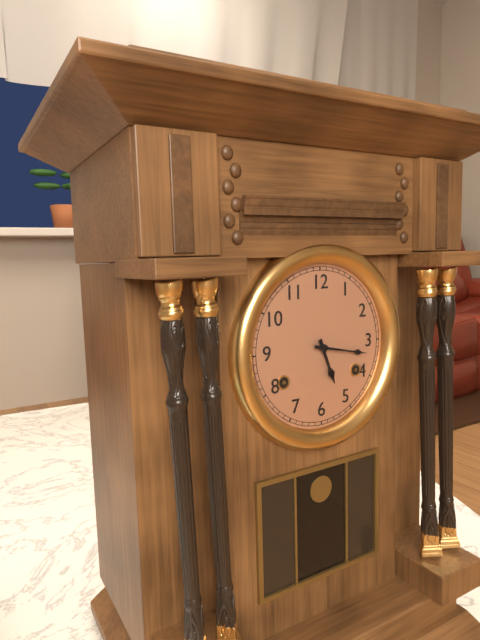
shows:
5,17
